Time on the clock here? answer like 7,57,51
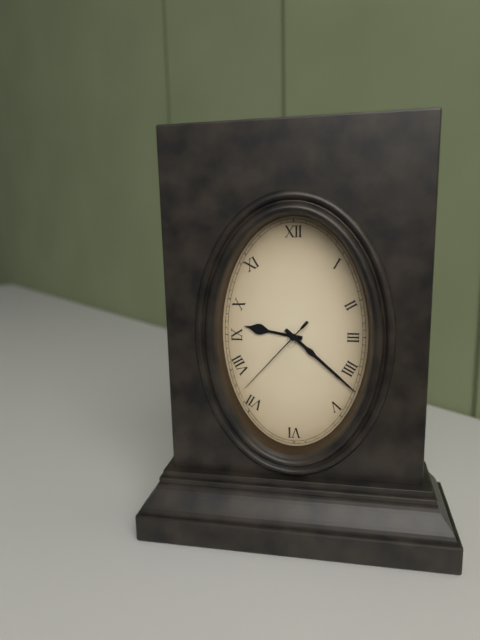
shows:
9,22,37
